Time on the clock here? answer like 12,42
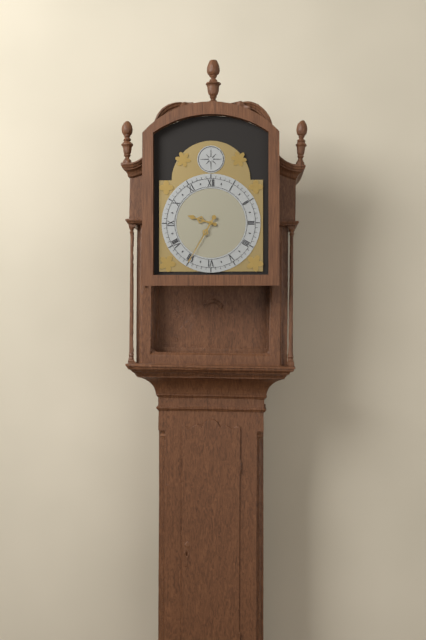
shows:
9,35
